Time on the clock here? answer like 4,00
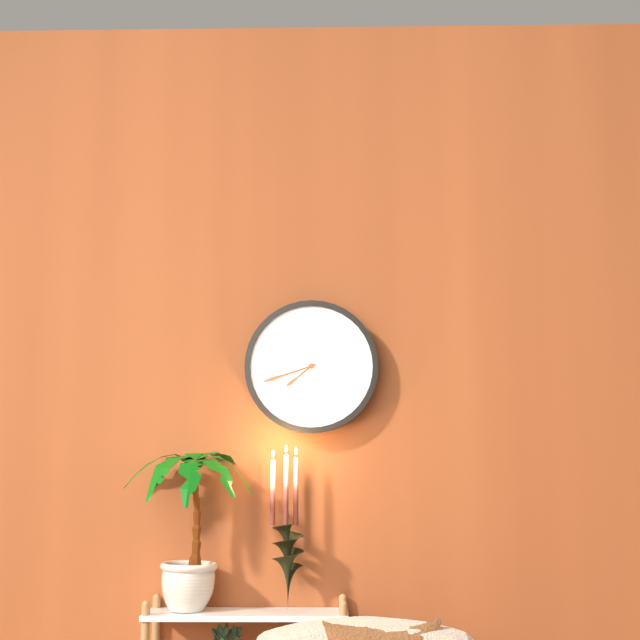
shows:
7,42
